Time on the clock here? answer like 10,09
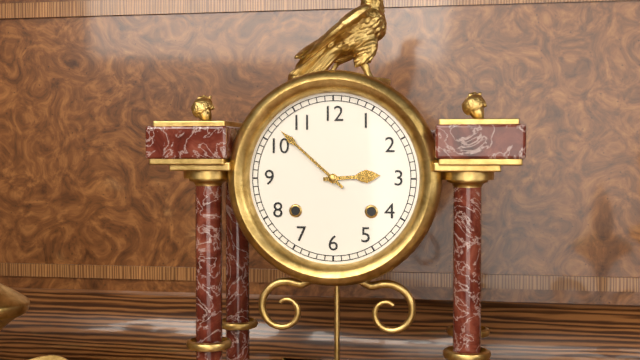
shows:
2,52
